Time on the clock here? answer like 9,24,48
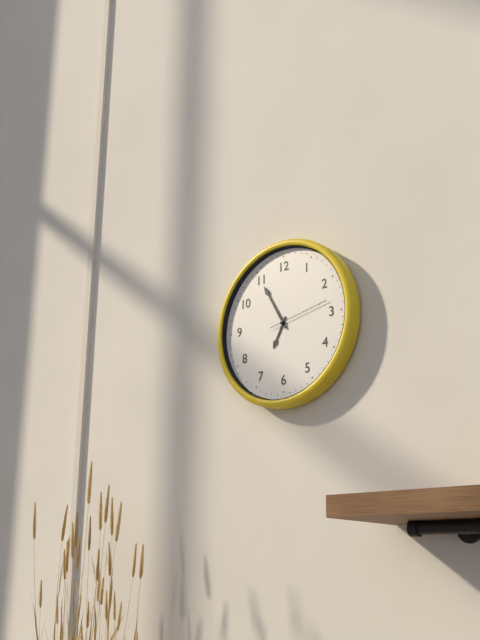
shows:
6,55,13
